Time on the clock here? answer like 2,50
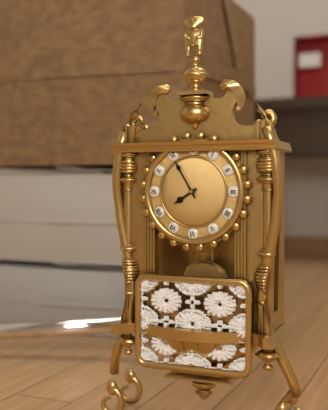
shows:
7,55
